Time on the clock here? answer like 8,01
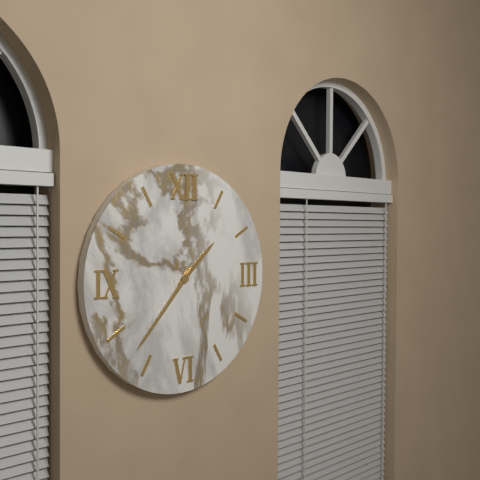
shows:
1,37
